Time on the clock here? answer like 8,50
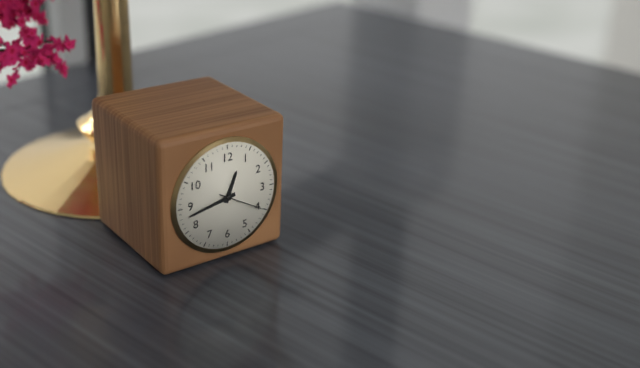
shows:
12,43
